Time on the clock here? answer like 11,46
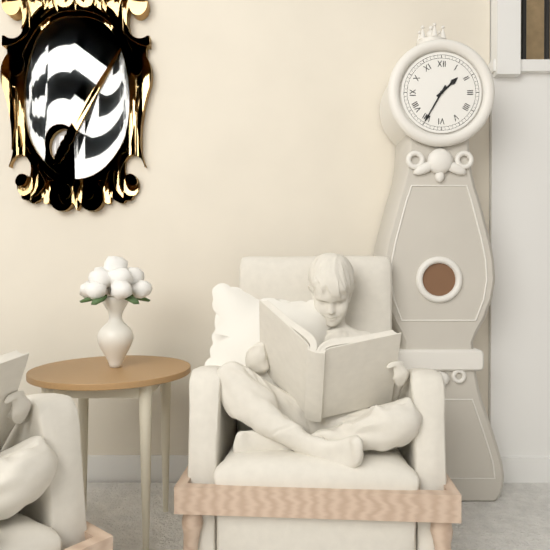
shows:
1,35
